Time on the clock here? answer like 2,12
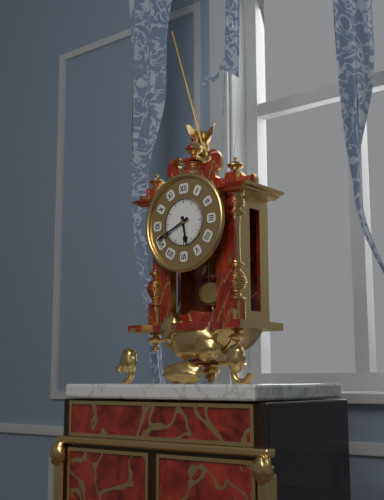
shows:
5,41
